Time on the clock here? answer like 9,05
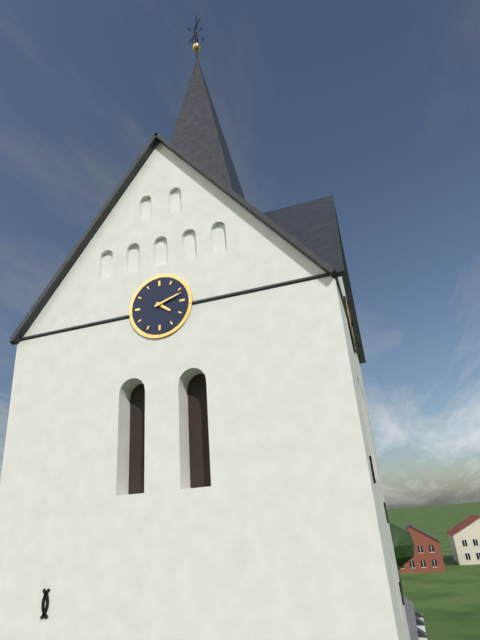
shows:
4,12
